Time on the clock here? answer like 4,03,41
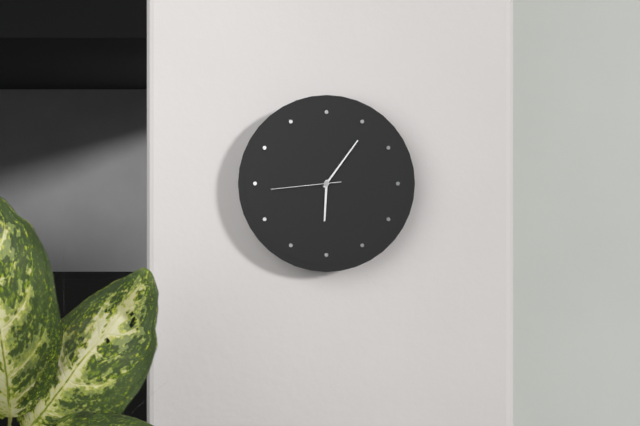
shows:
6,06,44
